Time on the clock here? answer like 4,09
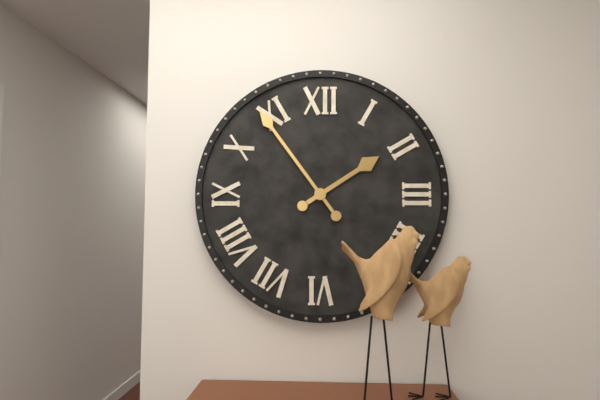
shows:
1,54
